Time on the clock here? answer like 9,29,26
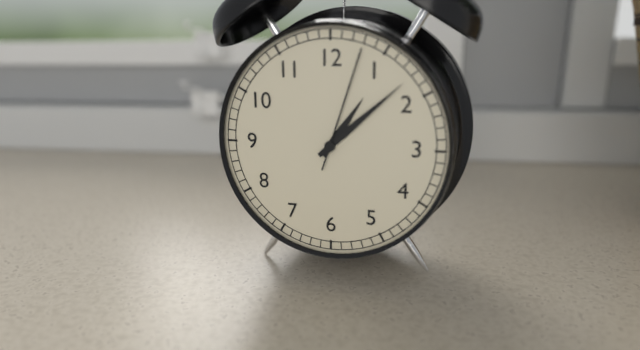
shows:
1,08,03
